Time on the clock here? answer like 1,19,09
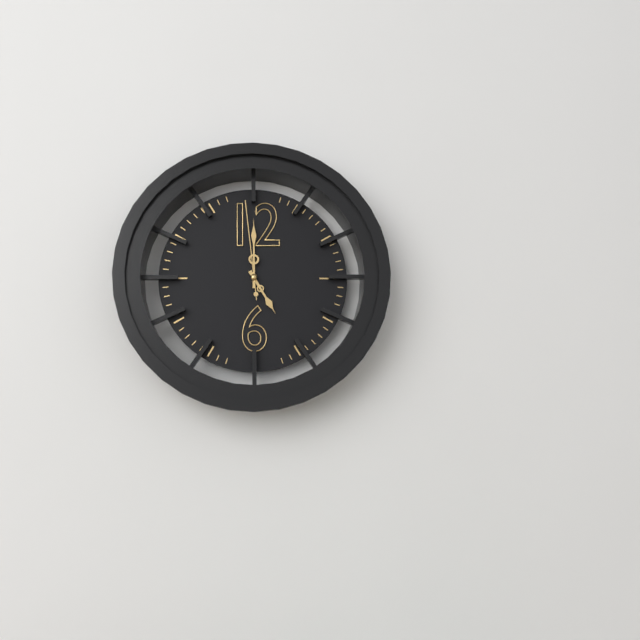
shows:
5,00,59
